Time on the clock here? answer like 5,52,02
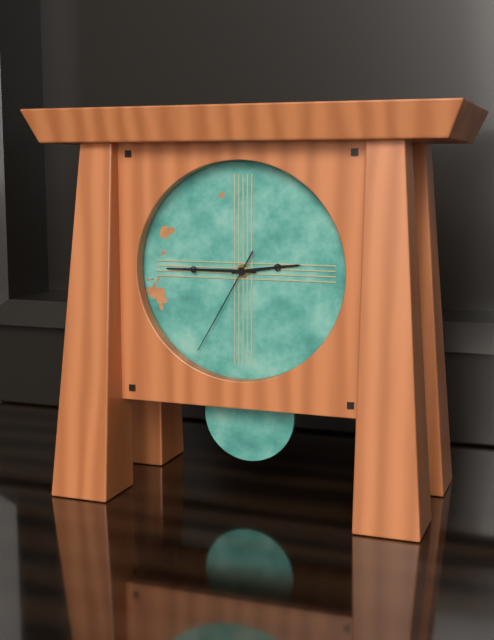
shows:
2,45,35
